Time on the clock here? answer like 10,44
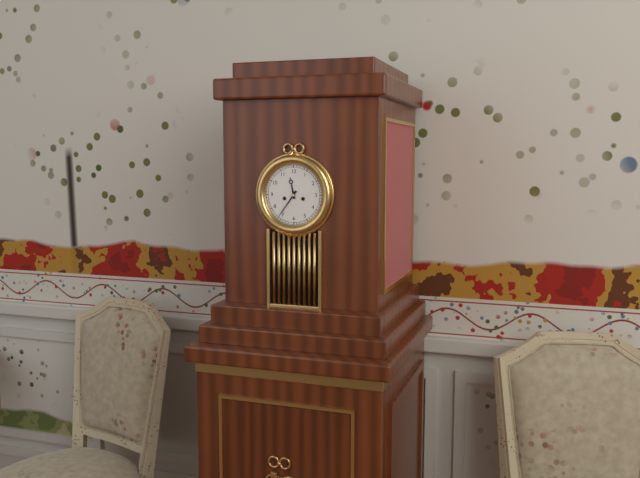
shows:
11,36
